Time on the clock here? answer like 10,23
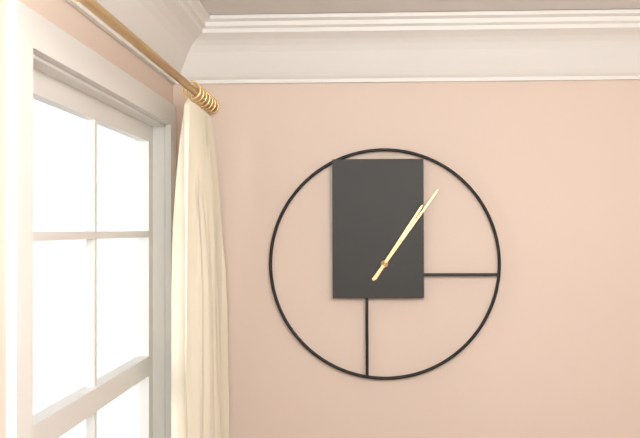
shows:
1,06
